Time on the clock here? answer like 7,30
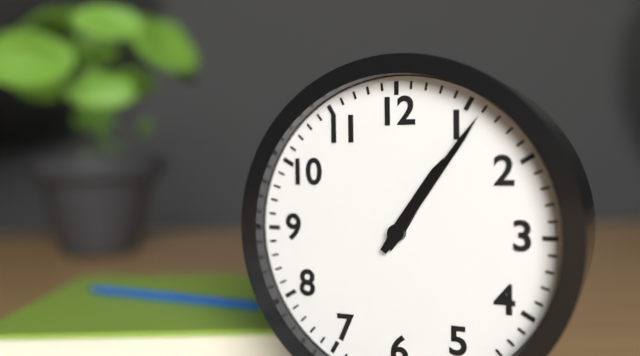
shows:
1,06
